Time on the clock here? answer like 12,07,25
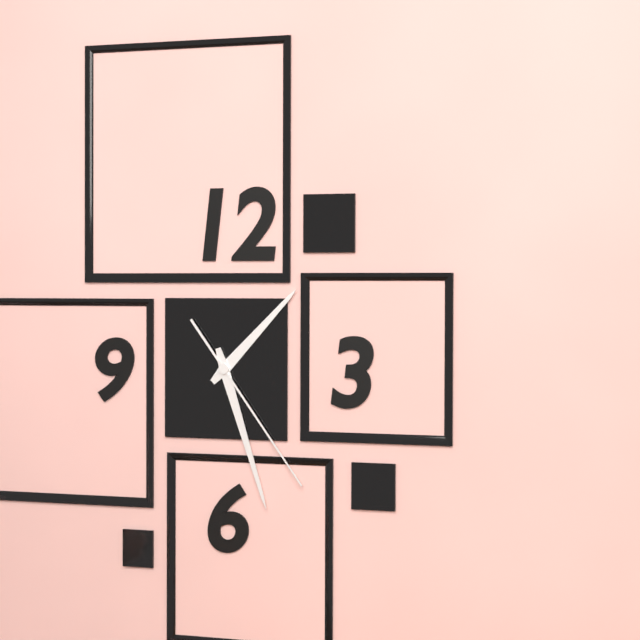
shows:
1,27,24
